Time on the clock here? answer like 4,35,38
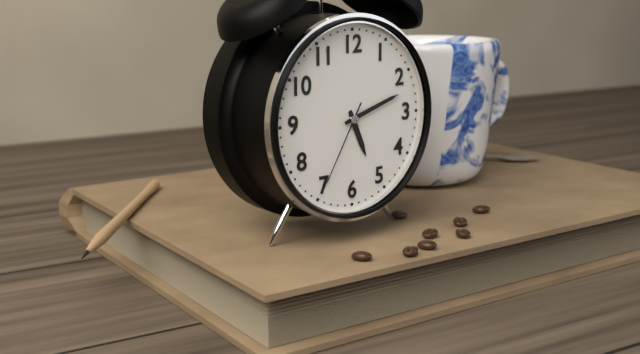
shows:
5,12,35
